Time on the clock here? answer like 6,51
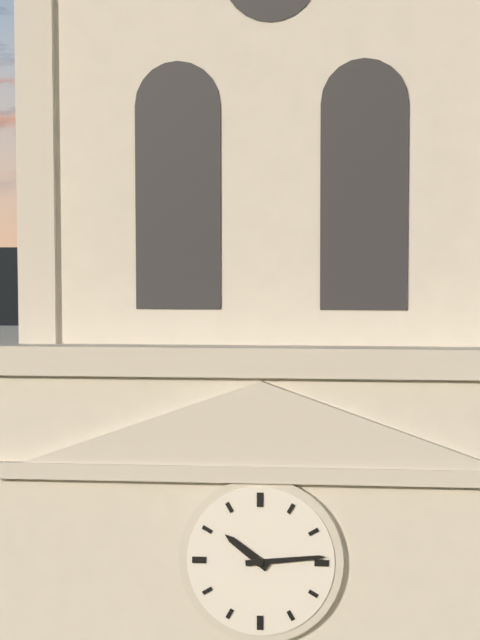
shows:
10,14
